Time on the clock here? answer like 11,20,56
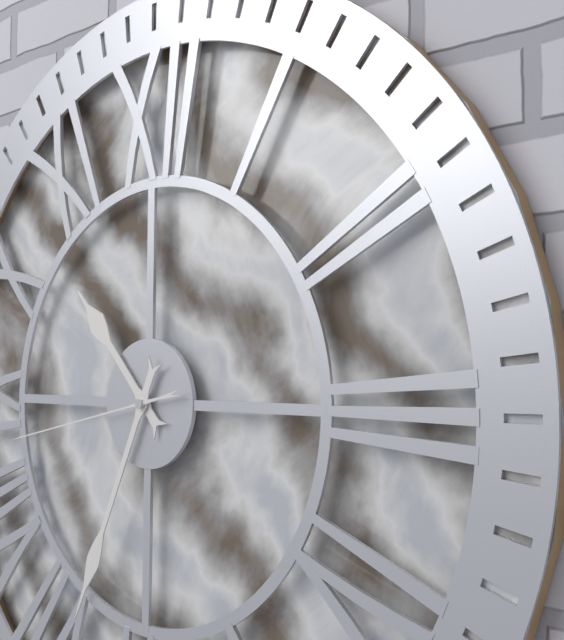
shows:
10,34,43
